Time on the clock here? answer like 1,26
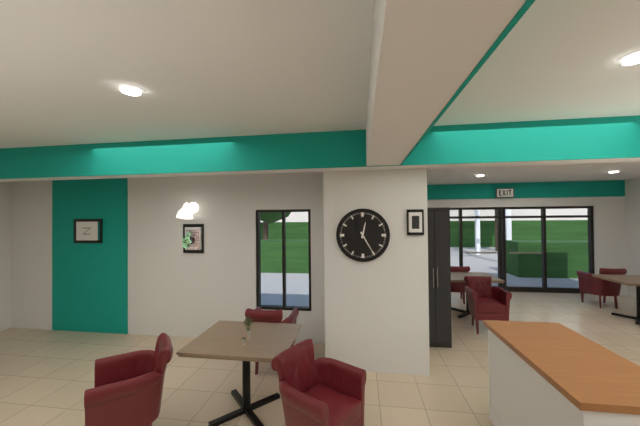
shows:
12,25
